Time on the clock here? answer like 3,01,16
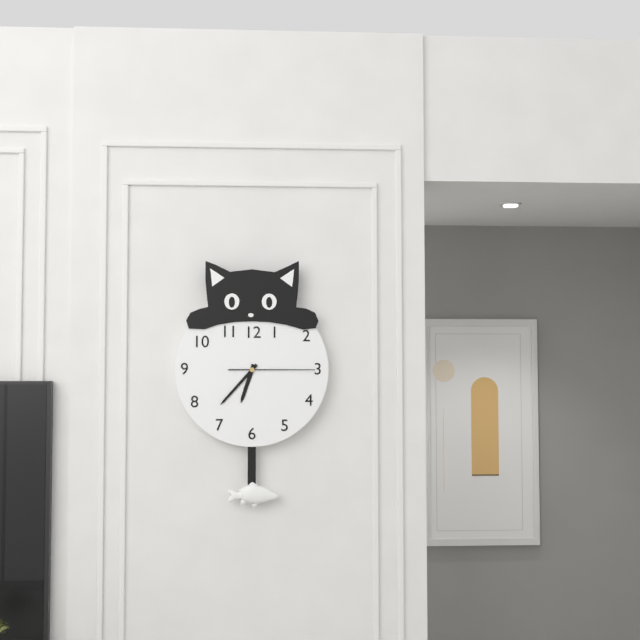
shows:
6,37,15
